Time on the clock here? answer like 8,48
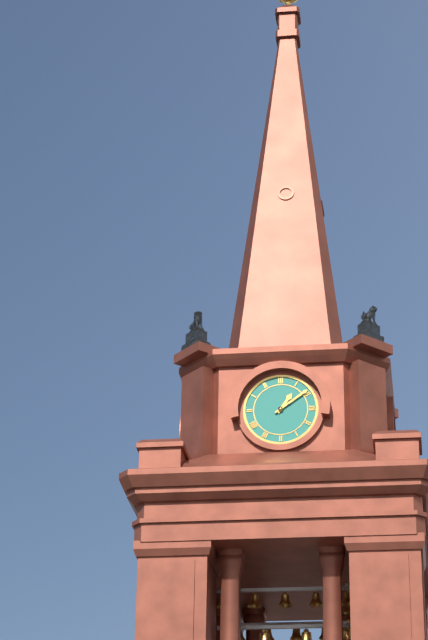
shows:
1,09
